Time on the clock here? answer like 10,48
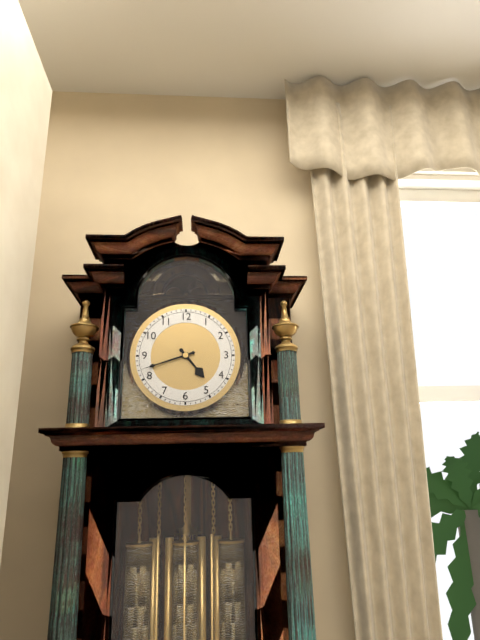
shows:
4,42
